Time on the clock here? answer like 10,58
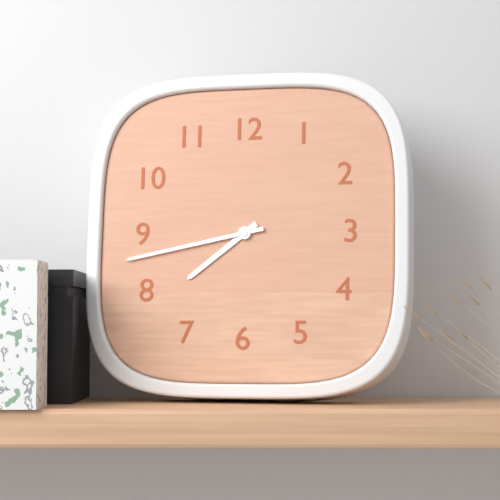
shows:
7,43
